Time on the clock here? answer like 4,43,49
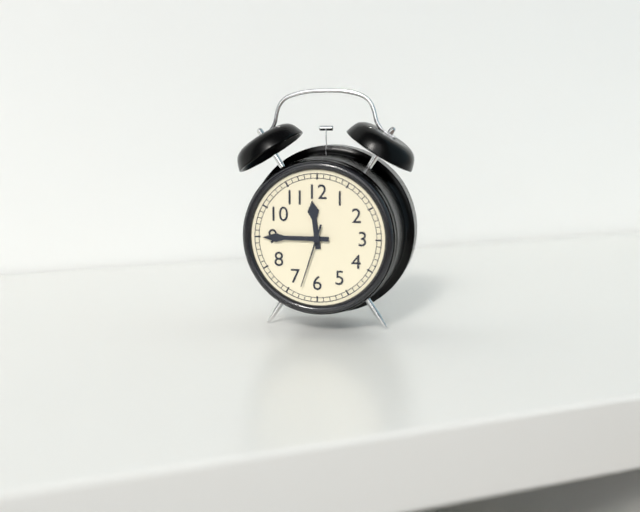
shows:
11,45,33
